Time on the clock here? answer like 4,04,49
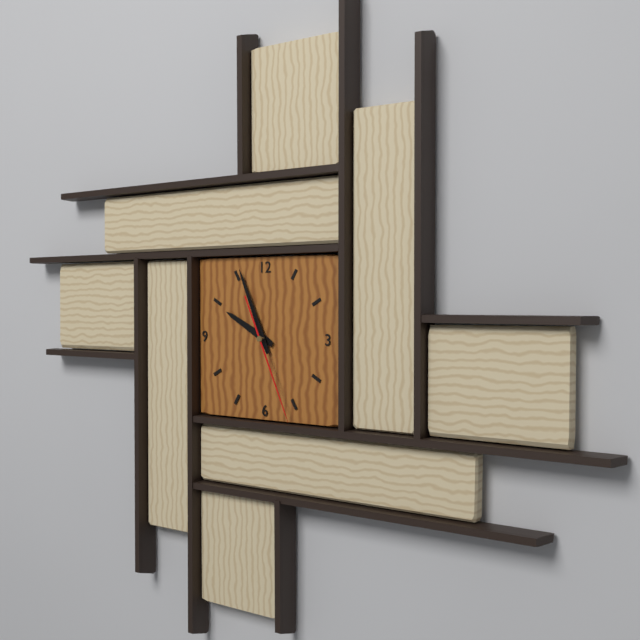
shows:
9,56,26
